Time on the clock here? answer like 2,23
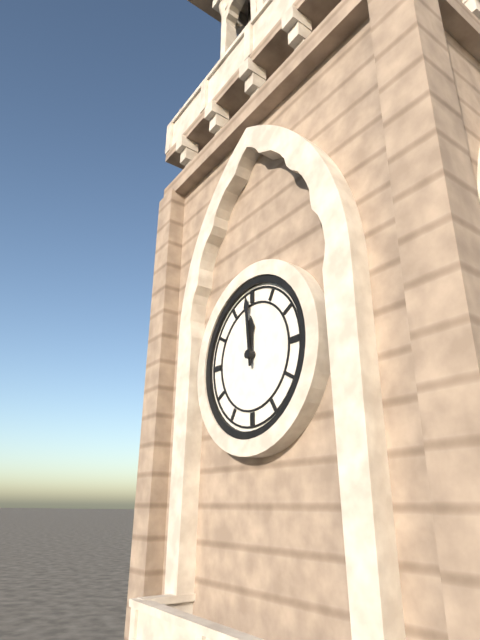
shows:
11,59
